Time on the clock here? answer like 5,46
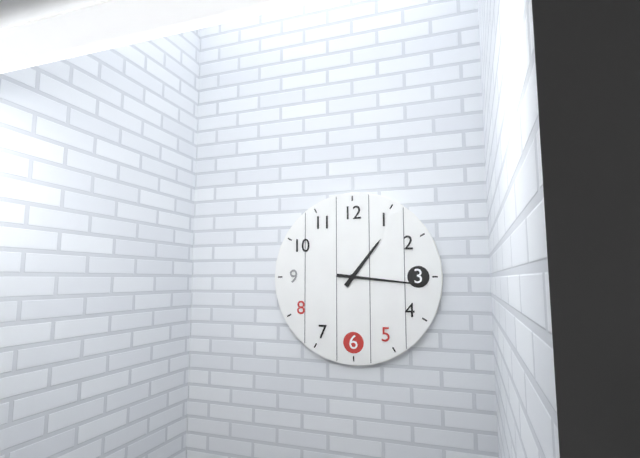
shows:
1,16
